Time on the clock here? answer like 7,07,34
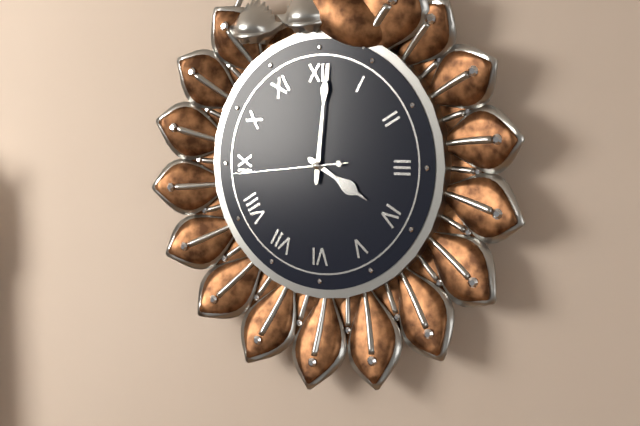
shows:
4,01,44
